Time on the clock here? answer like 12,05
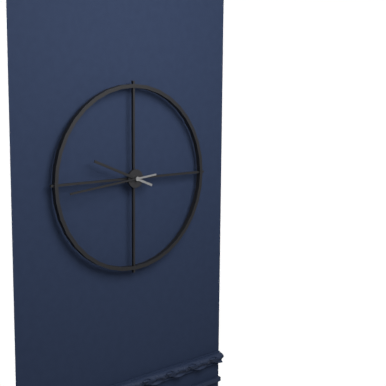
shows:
9,44
